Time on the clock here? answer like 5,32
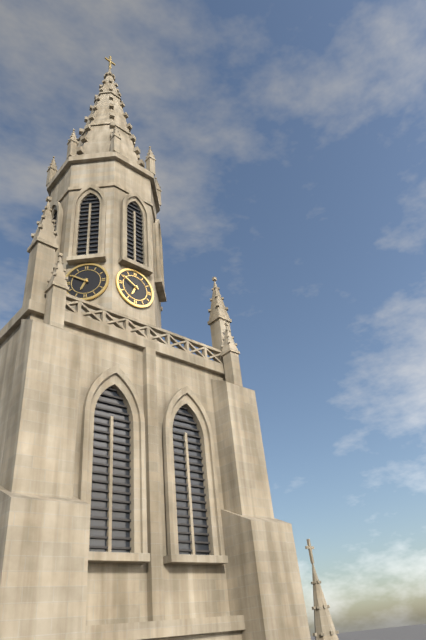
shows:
6,50
